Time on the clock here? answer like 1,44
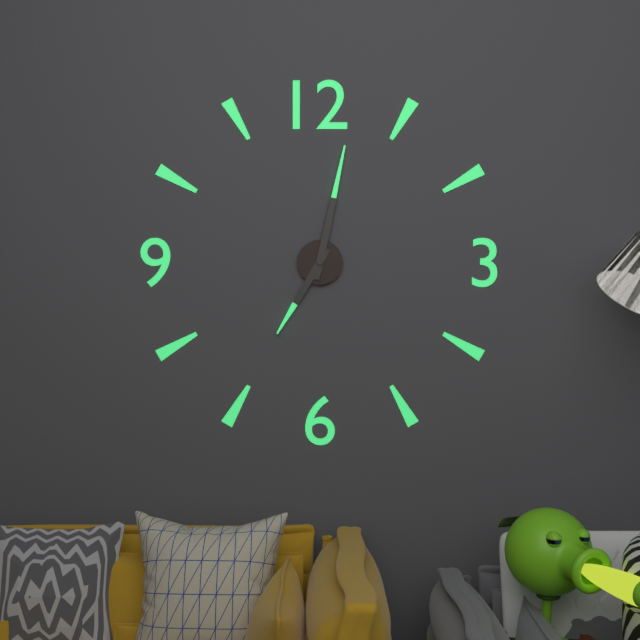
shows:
7,02
